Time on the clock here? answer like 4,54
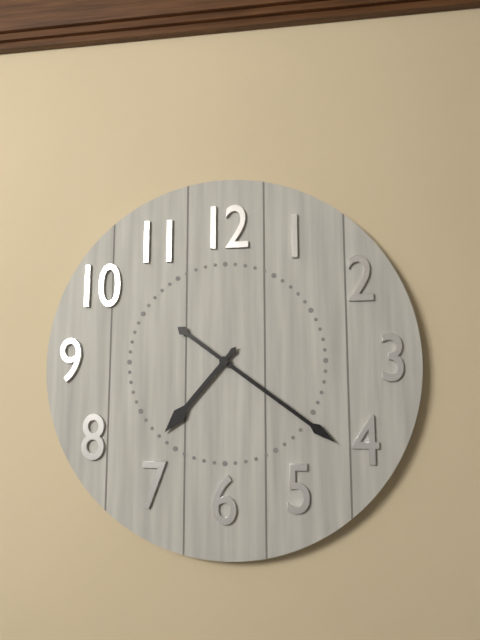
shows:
7,21
